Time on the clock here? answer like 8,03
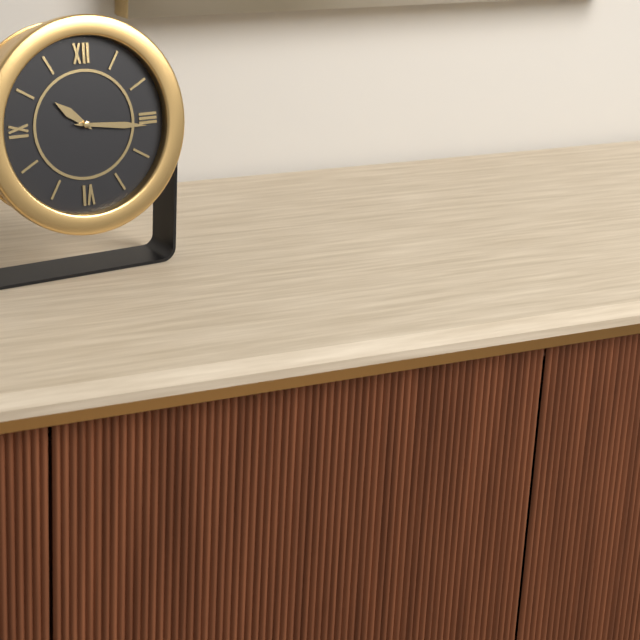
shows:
10,16
